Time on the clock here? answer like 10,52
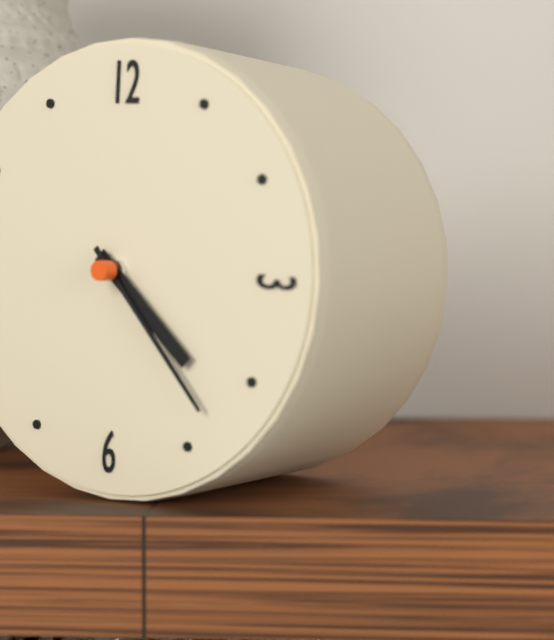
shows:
4,23
